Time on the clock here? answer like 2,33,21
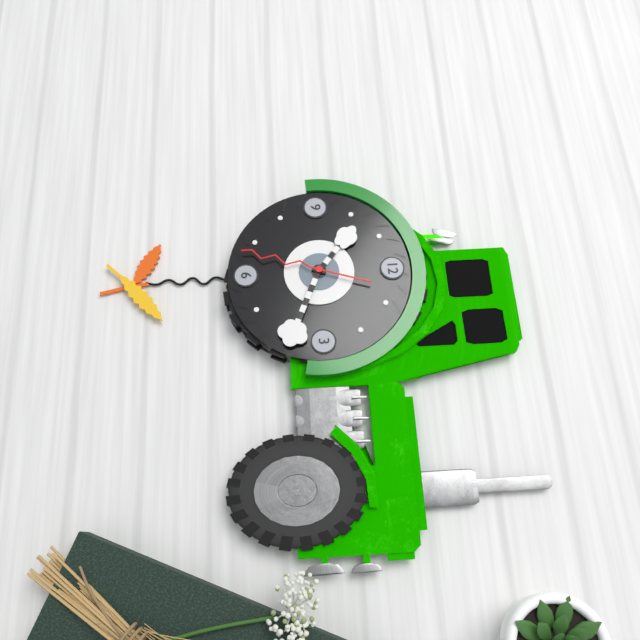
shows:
10,19,33
